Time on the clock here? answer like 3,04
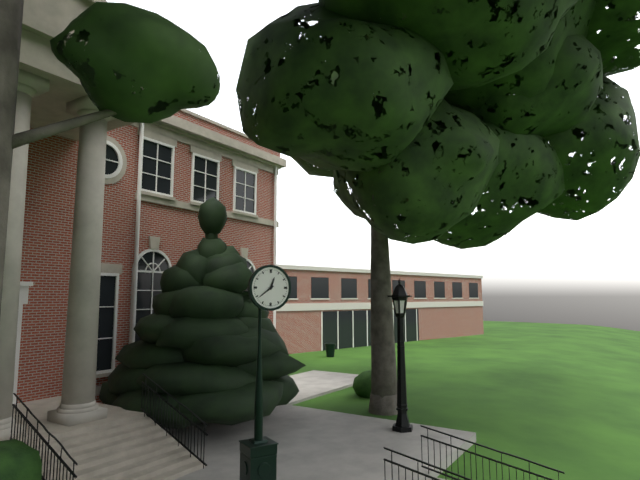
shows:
12,39
